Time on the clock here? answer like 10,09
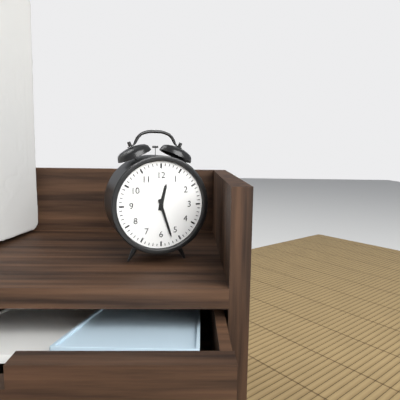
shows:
12,27
